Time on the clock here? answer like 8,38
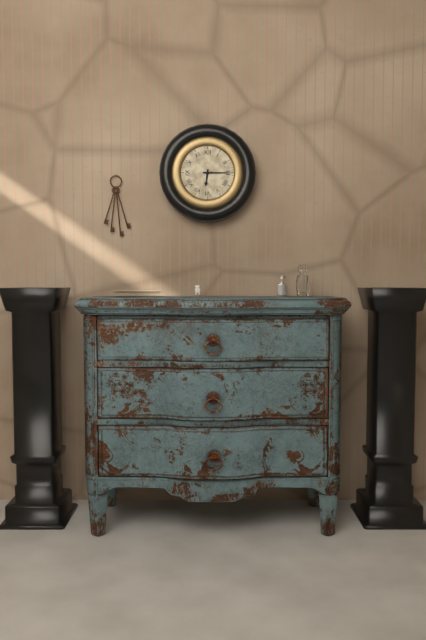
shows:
6,15
